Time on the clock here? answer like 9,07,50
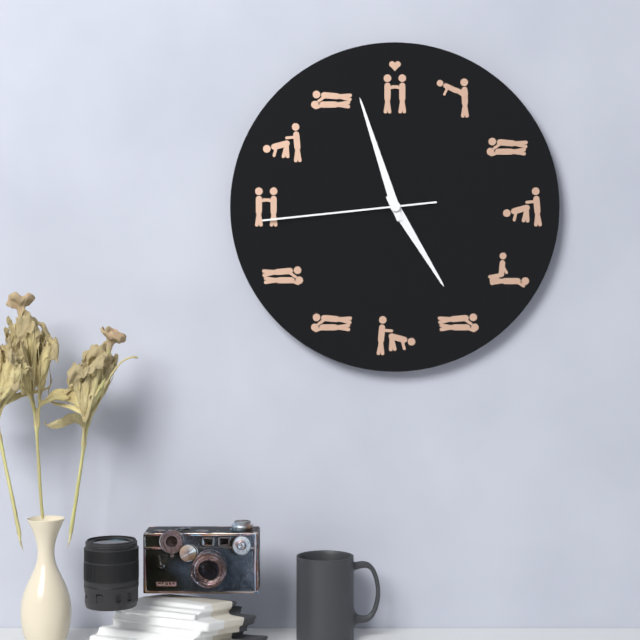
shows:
4,57,44
